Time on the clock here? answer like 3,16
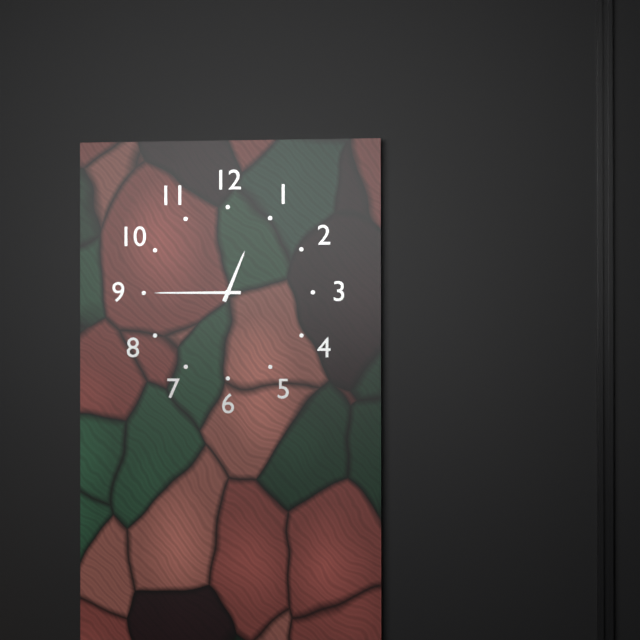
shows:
12,45
